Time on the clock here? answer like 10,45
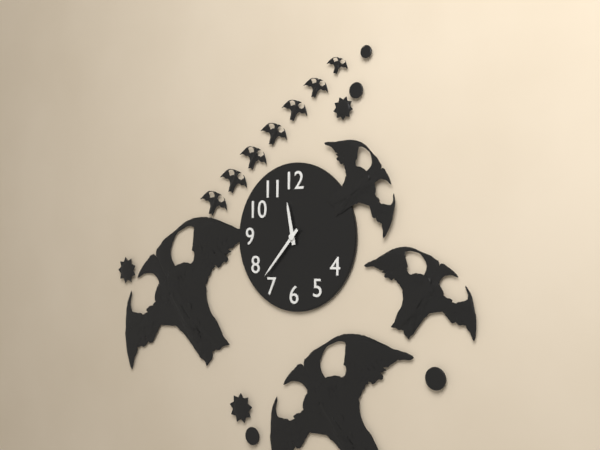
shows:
11,37
